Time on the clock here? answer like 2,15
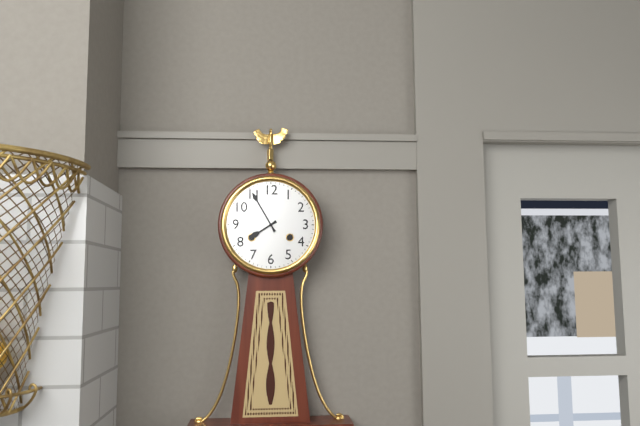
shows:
7,55
